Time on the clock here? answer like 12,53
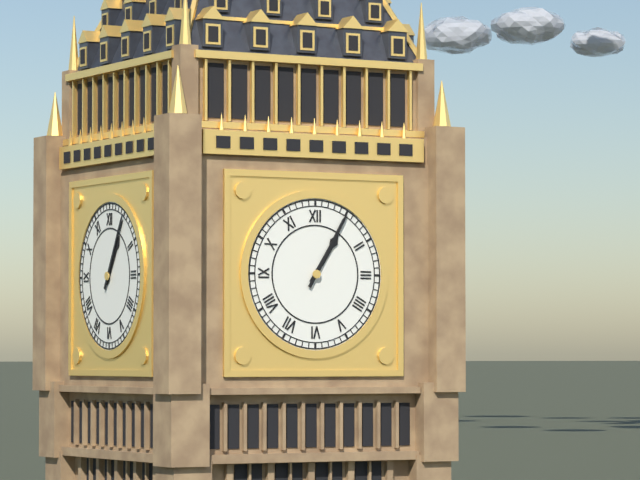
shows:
1,05
